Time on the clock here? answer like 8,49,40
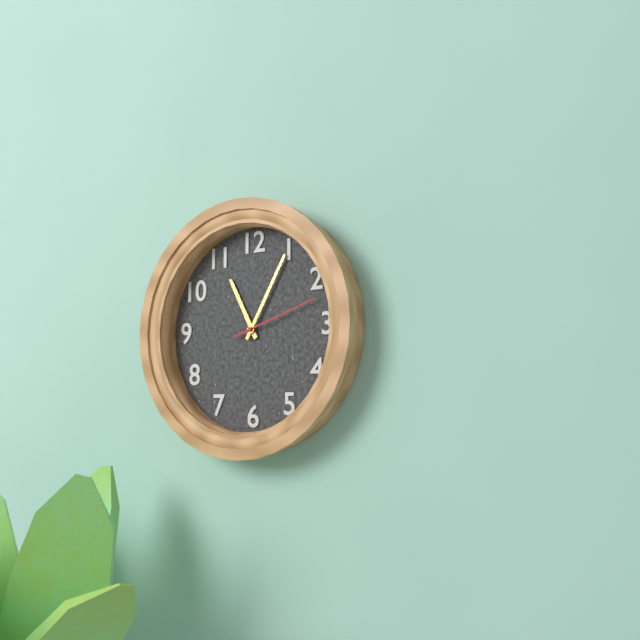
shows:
11,05,12
